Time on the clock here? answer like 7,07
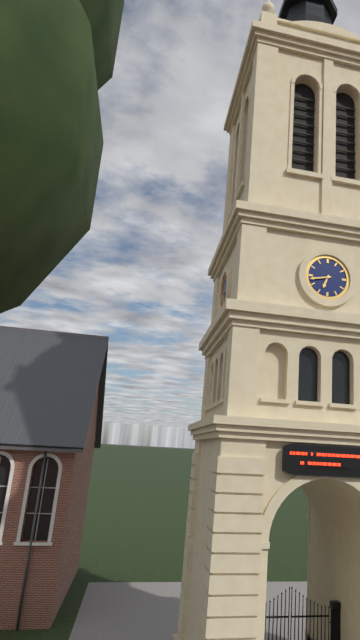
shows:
6,43
